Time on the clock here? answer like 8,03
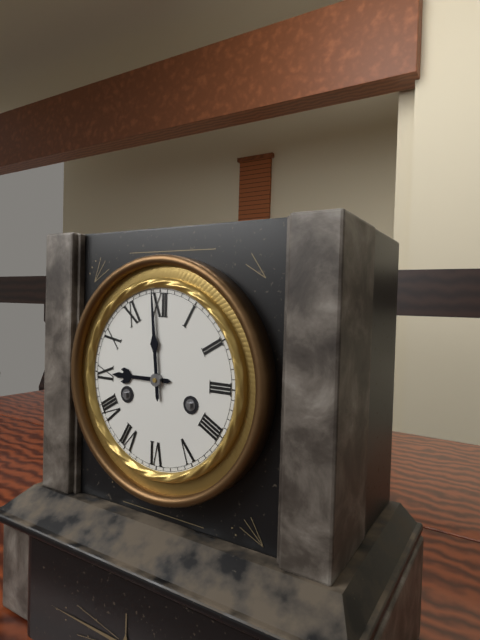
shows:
8,59
